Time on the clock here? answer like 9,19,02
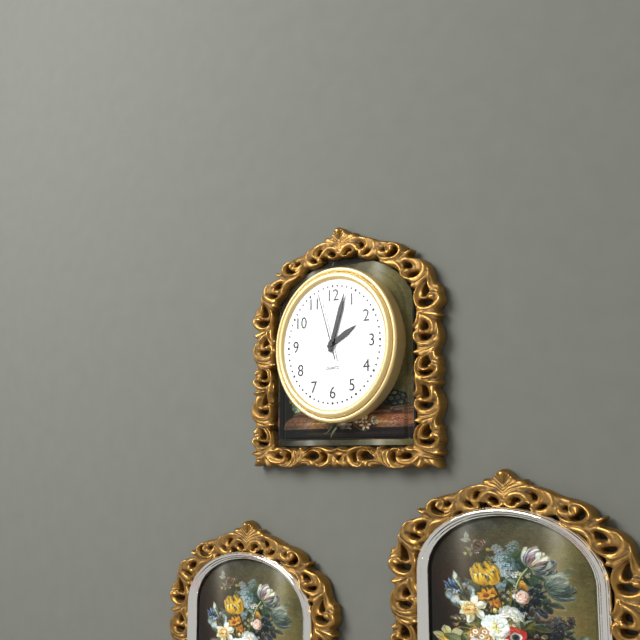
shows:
2,03,57
